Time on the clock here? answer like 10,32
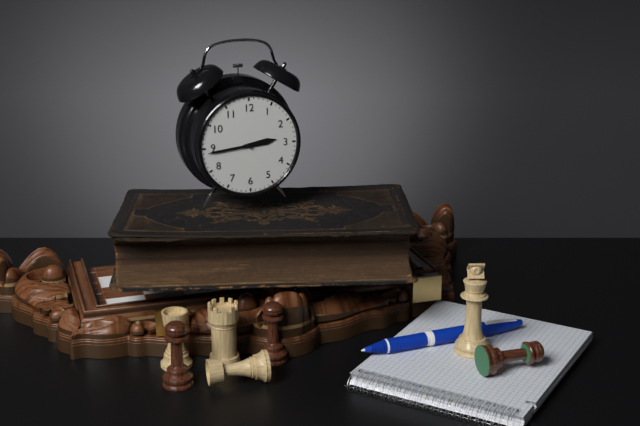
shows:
2,44
